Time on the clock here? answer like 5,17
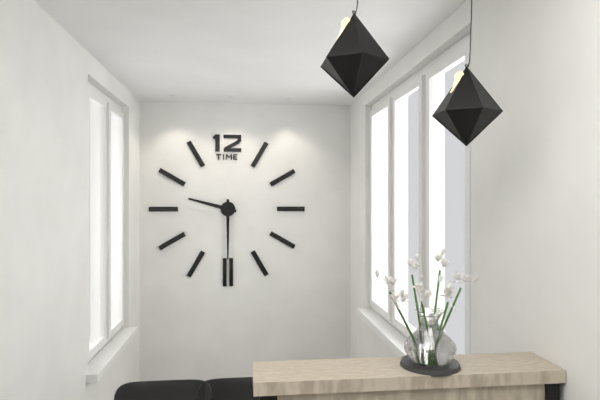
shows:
9,30
